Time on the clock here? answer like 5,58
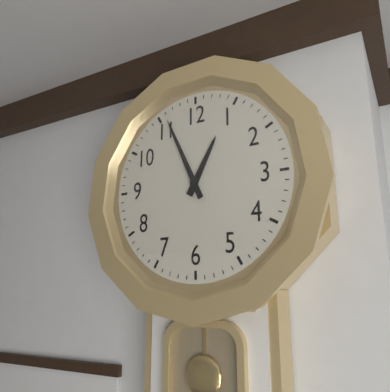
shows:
12,56
